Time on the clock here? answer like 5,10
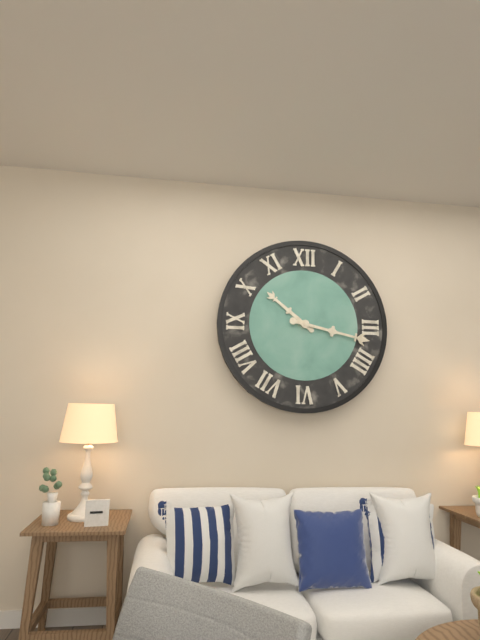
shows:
10,17
